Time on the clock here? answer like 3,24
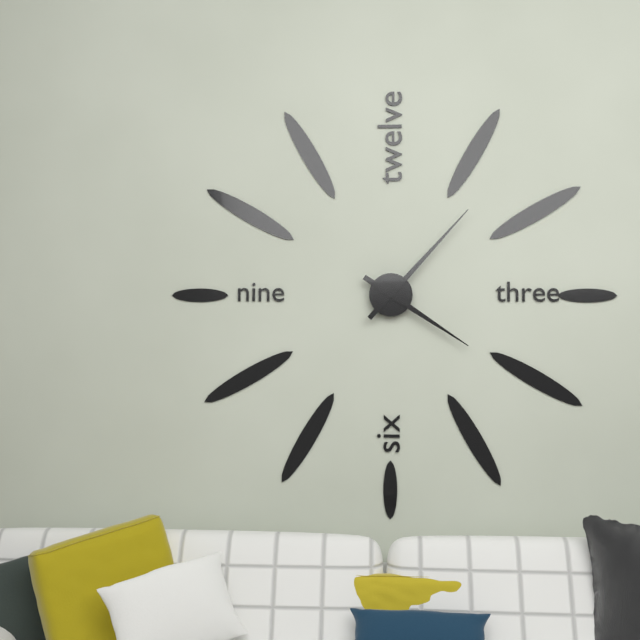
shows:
4,07
